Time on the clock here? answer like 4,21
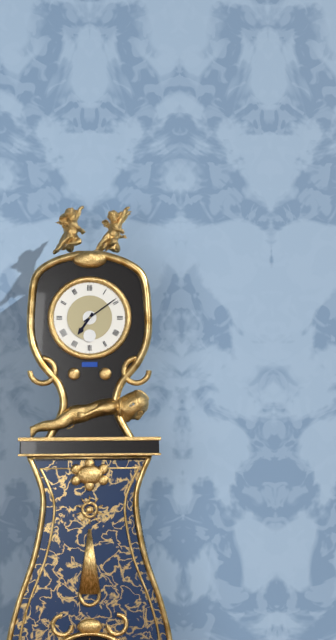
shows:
7,09
